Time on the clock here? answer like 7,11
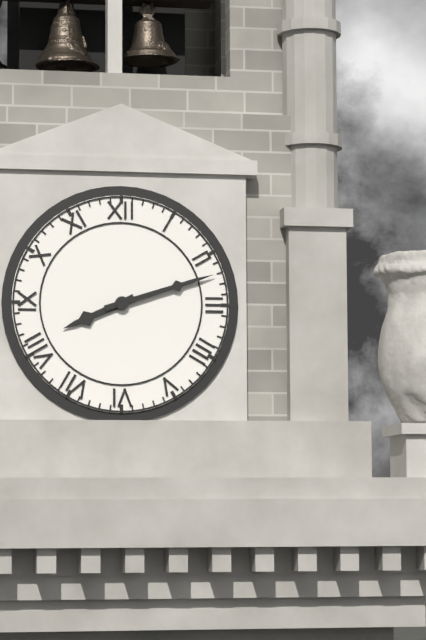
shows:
8,12
